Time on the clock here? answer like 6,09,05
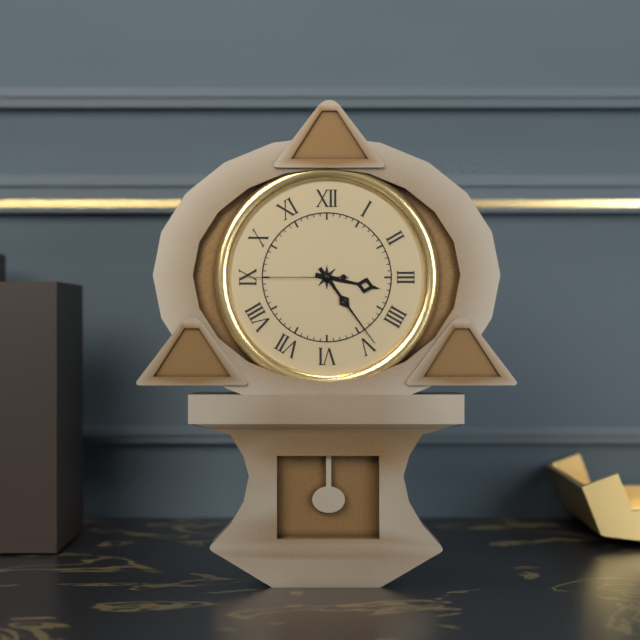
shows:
3,24,45
